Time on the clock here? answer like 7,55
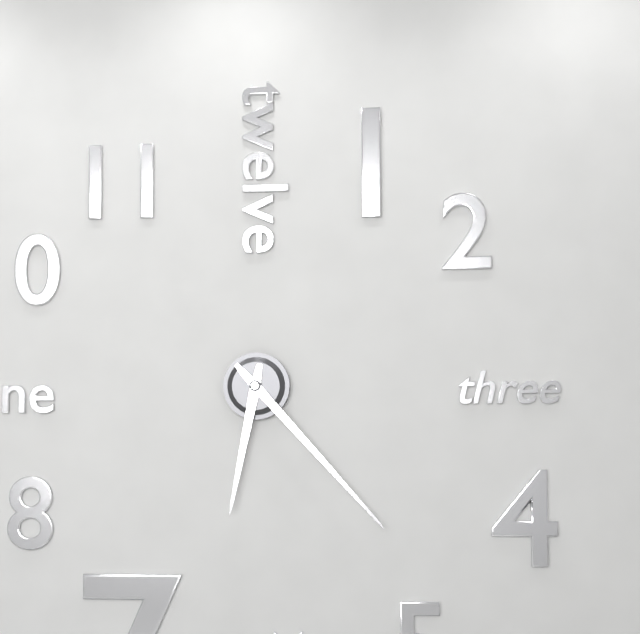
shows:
6,23
